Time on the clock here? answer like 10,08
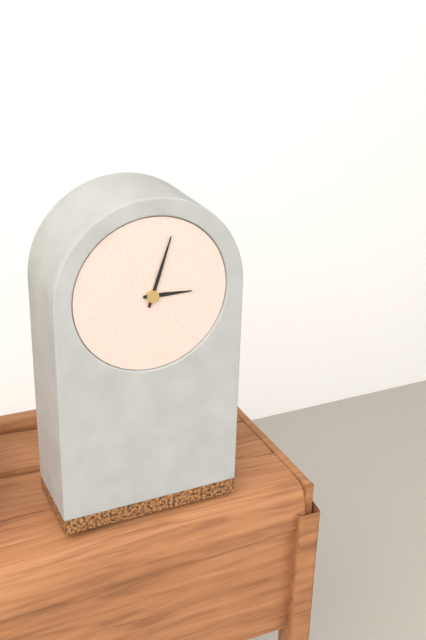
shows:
3,03
